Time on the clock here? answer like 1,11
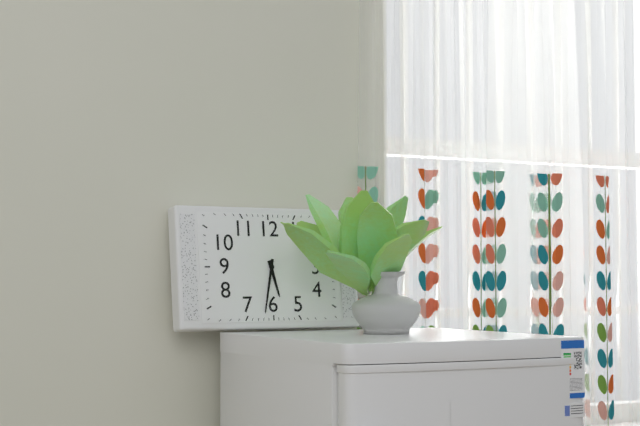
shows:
5,32
